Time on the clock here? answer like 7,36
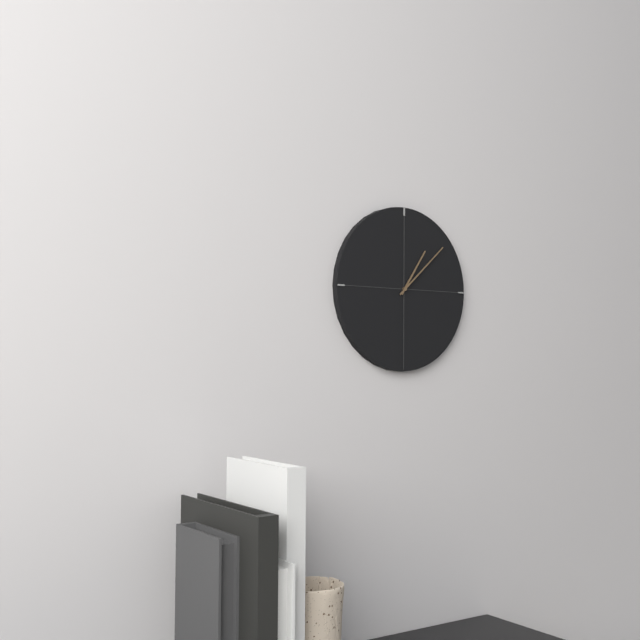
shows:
1,08
